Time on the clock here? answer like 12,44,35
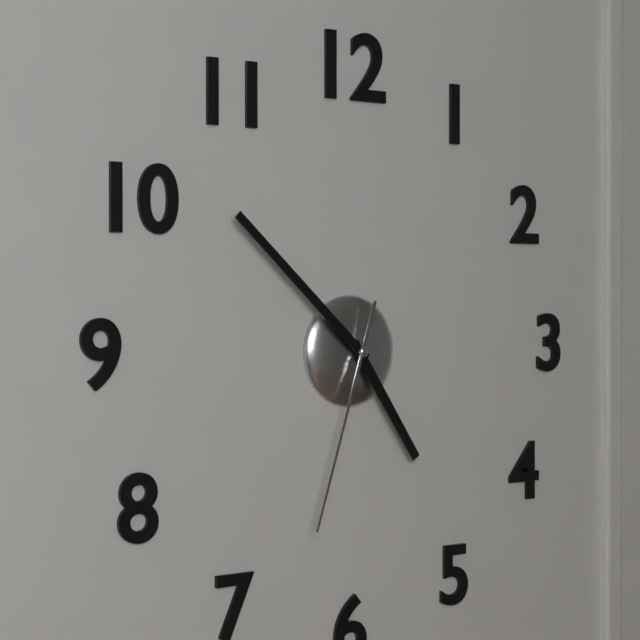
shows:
4,52,33
